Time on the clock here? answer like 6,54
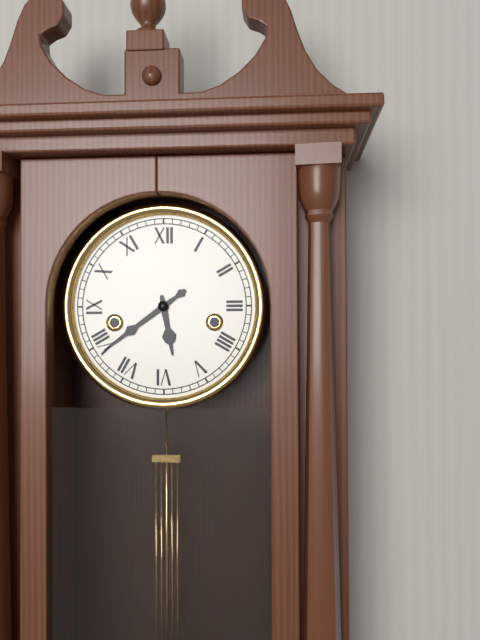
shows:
5,39
